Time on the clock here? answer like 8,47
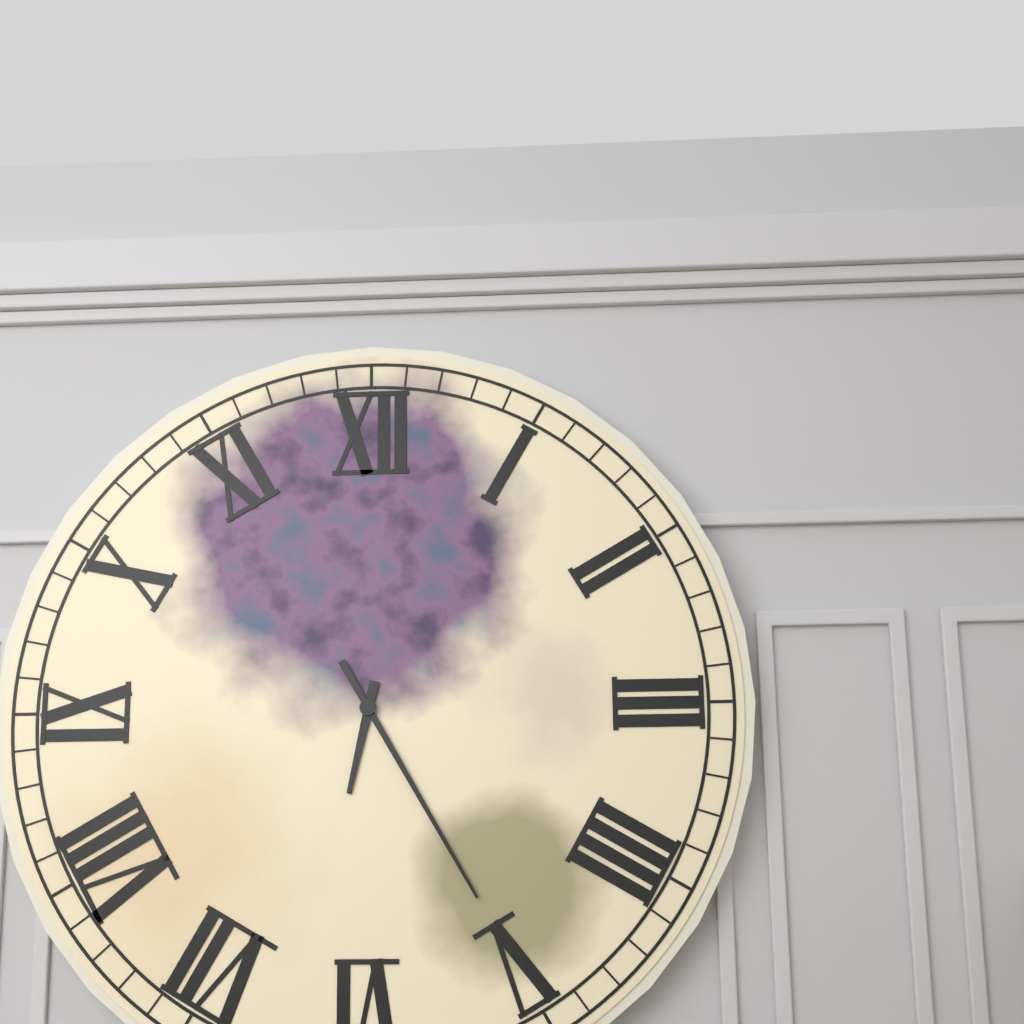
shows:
6,25
